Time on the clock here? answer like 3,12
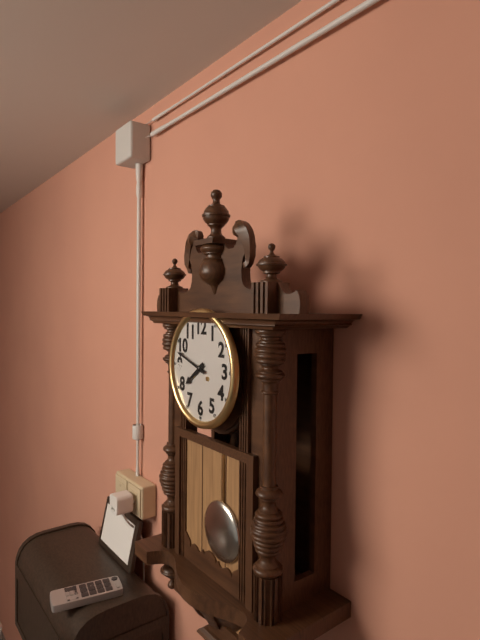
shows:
7,48
